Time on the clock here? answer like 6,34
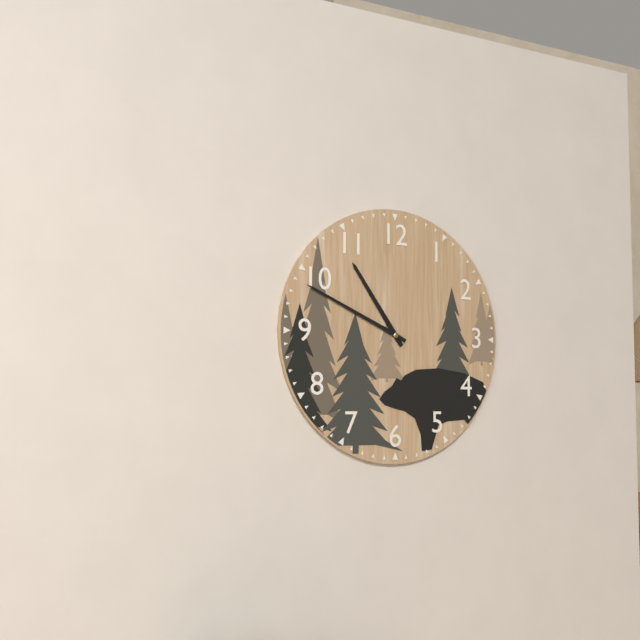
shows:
10,49
